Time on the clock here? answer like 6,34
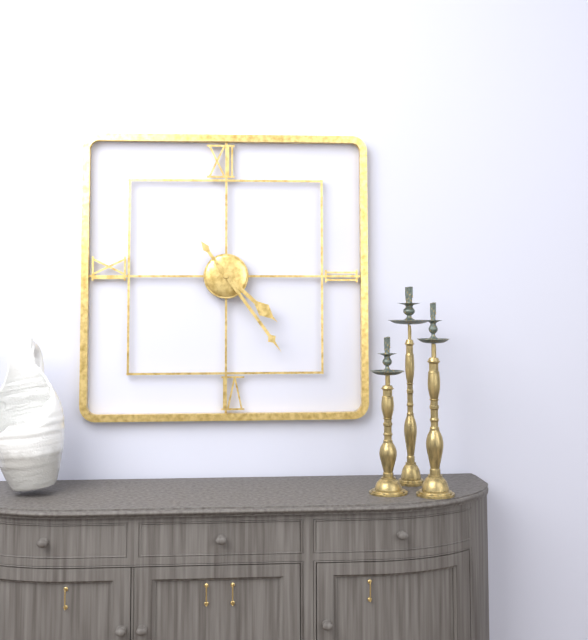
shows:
4,24
